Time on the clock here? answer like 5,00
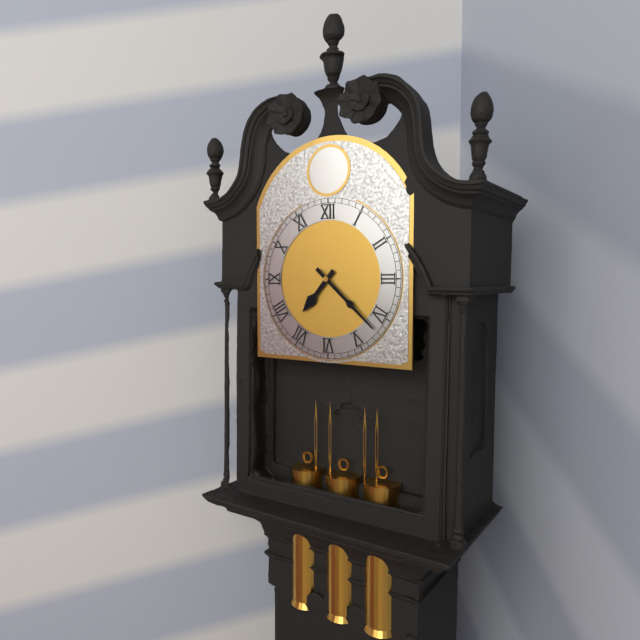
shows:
7,22
